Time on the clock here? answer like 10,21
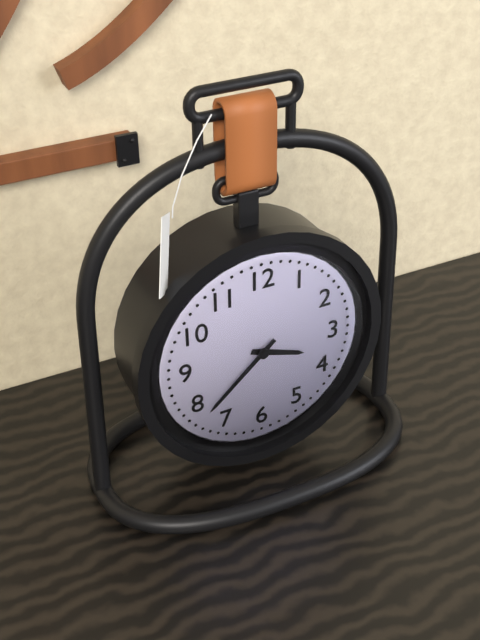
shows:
3,38
